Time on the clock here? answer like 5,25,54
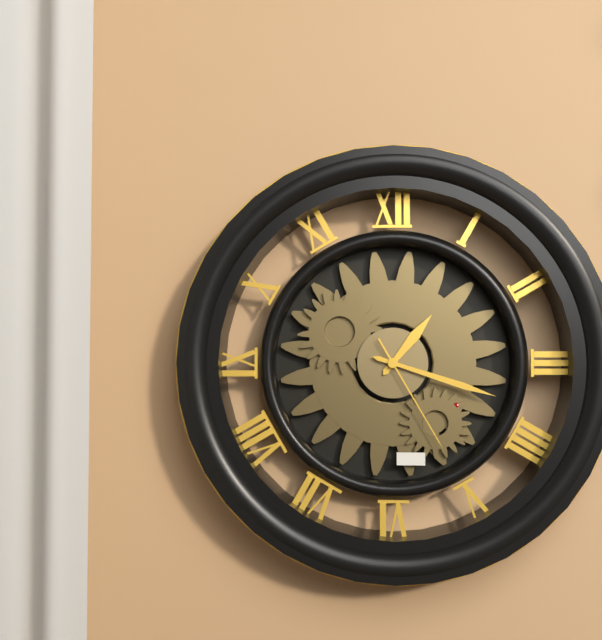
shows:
1,18,25
